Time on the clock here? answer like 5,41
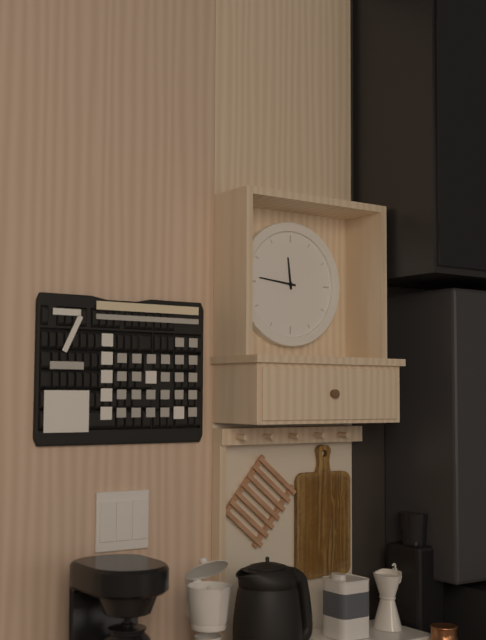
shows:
11,46
